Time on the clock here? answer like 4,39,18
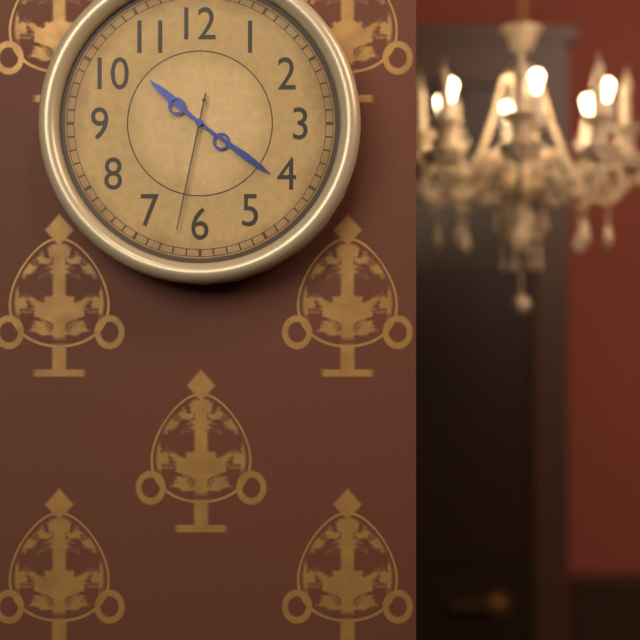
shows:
10,21,32
